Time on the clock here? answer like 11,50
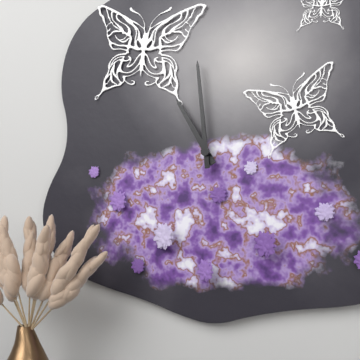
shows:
10,59
